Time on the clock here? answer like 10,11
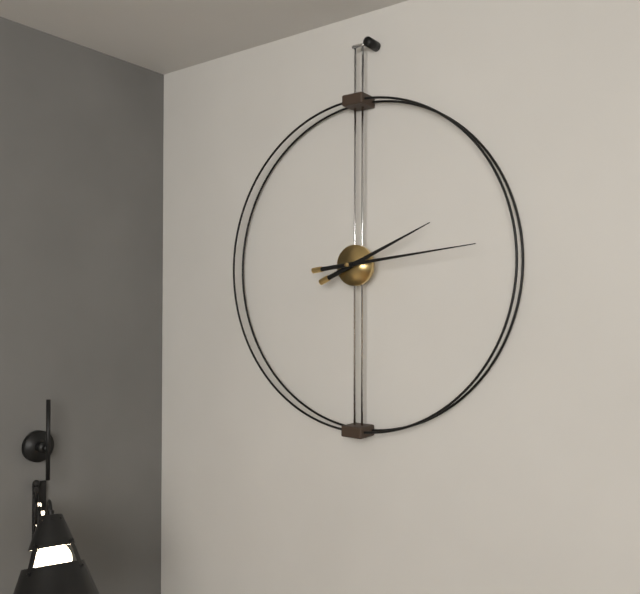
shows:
2,14
